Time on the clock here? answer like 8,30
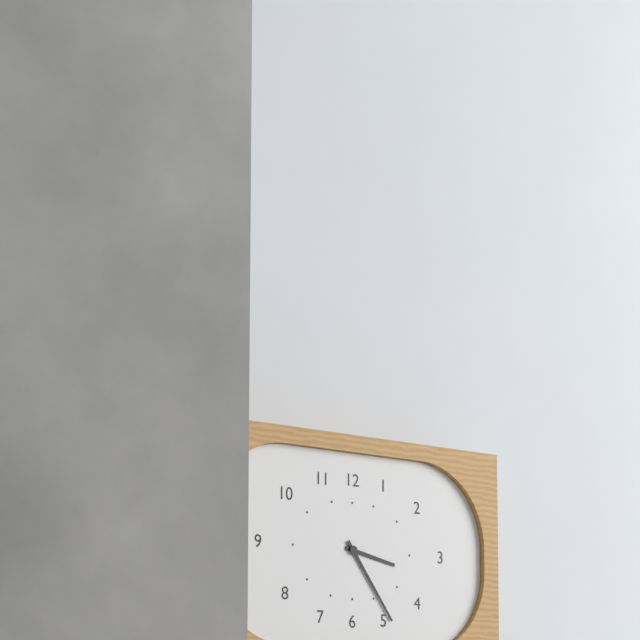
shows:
3,24
